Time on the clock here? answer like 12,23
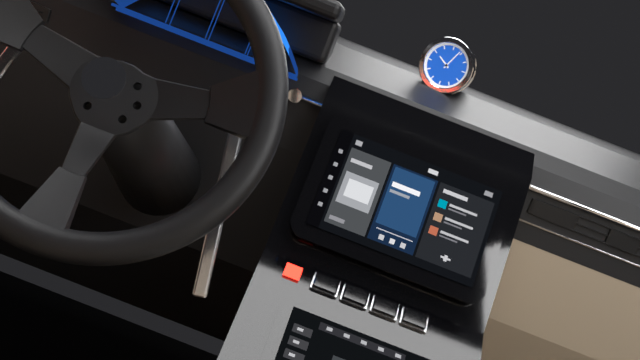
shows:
10,04
